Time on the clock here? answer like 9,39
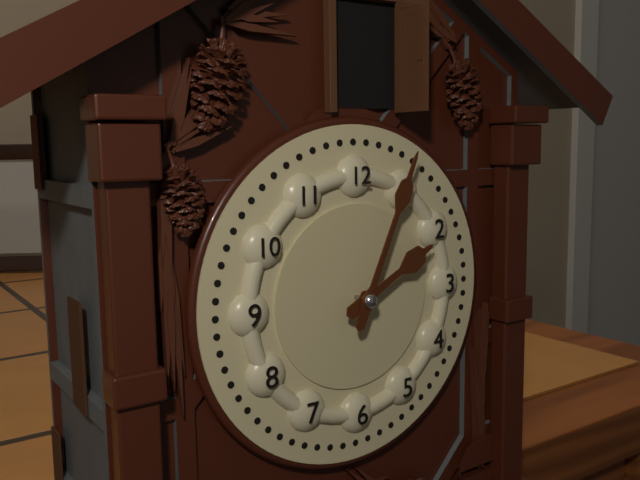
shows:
2,04
